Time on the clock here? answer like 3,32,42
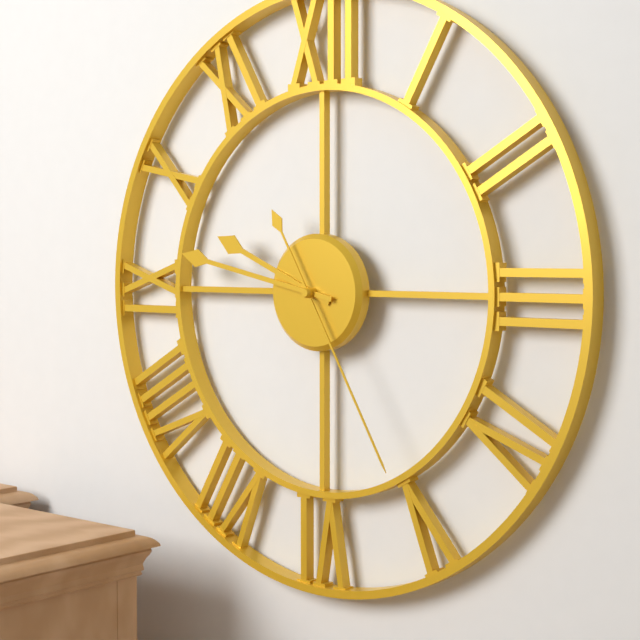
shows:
9,47,25
